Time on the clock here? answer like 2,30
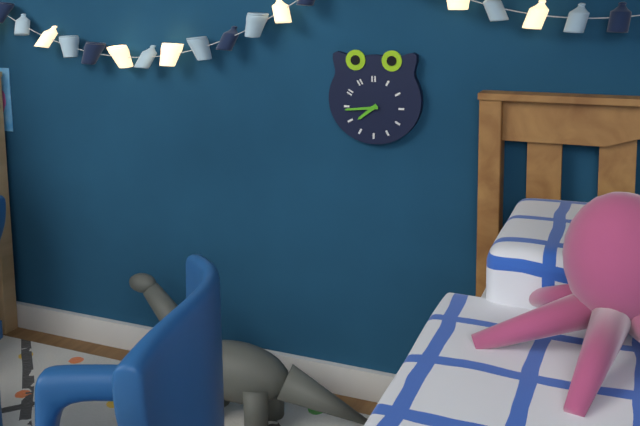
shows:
7,44
